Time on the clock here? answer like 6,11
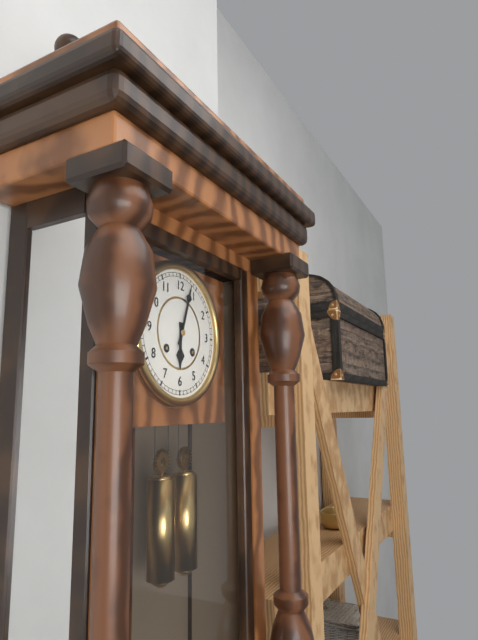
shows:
6,03
